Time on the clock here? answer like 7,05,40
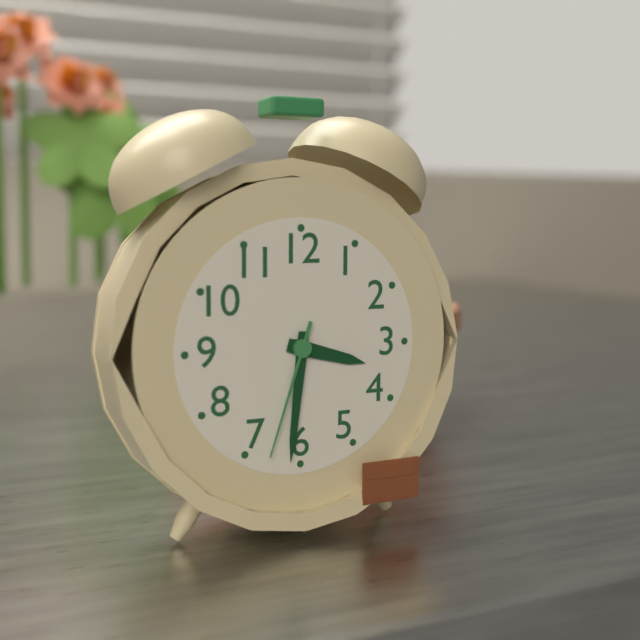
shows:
3,31,33
